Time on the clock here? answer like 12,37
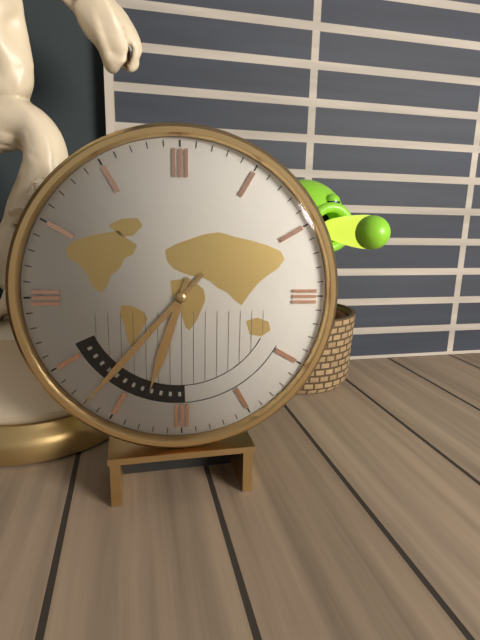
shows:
6,37
